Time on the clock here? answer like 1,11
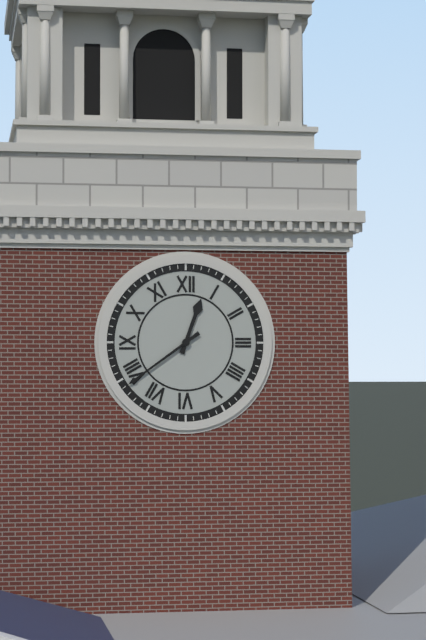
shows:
12,39
